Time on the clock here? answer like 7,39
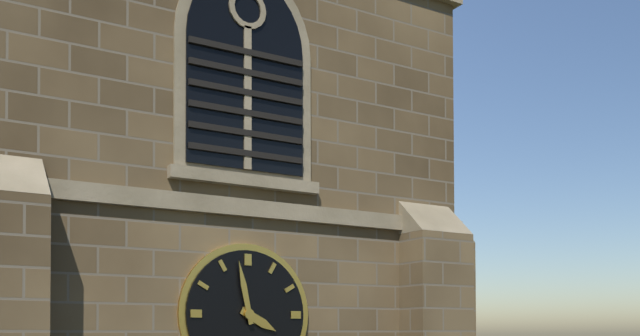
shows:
3,58
